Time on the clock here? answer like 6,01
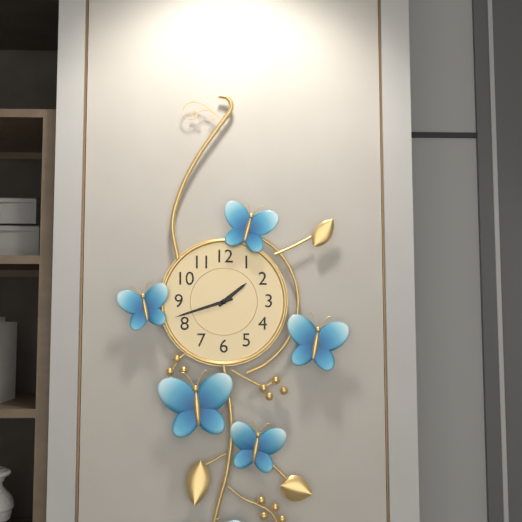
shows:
1,42
